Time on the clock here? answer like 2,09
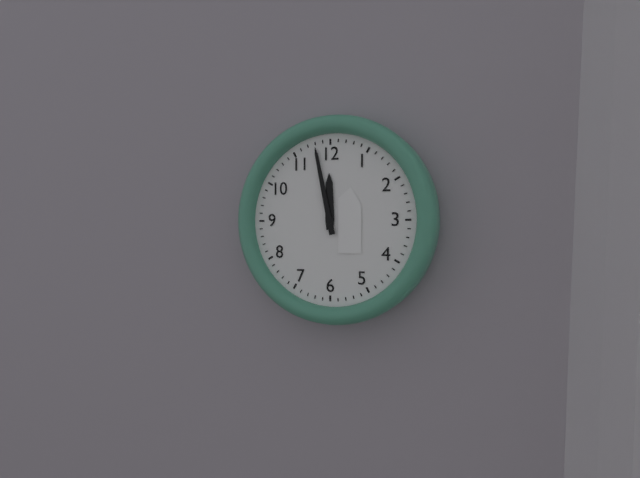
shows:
11,58
